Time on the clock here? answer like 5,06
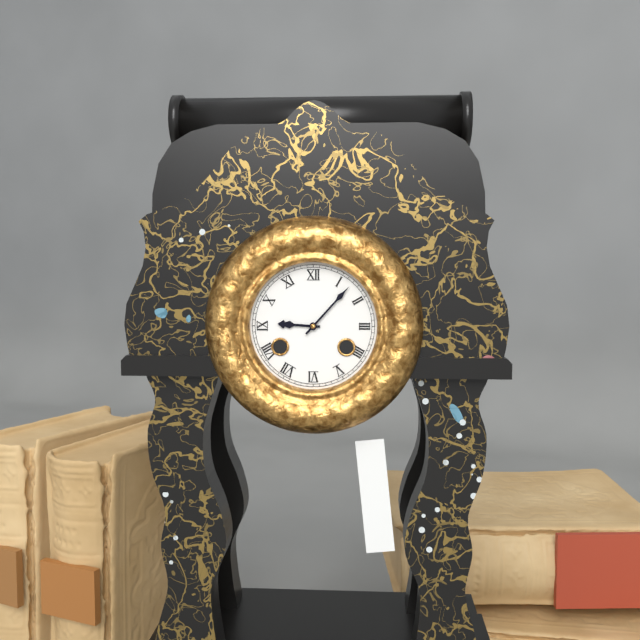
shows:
9,07
